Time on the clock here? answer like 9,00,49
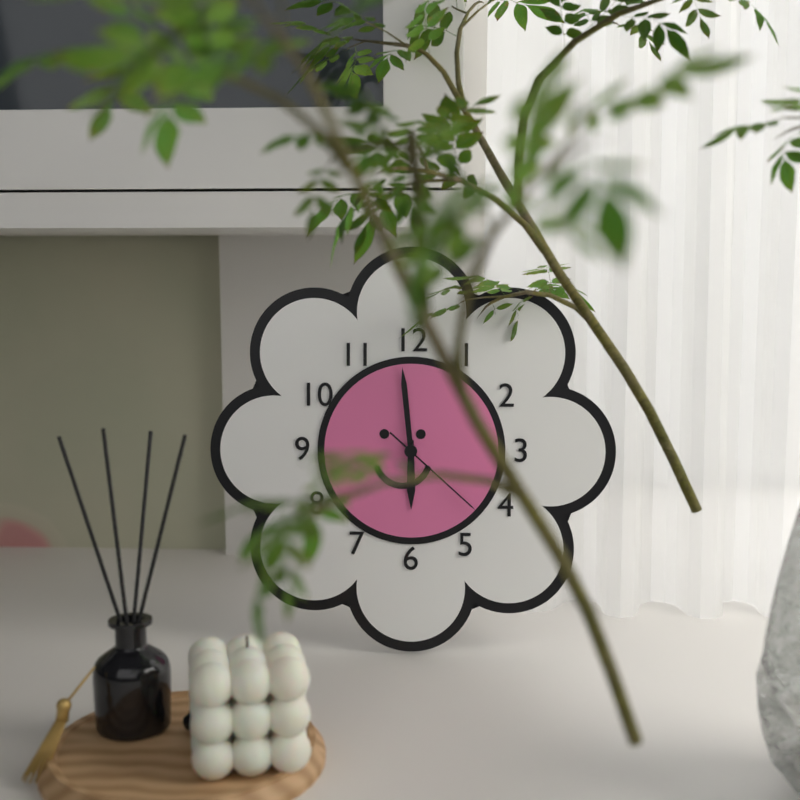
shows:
5,59,22
